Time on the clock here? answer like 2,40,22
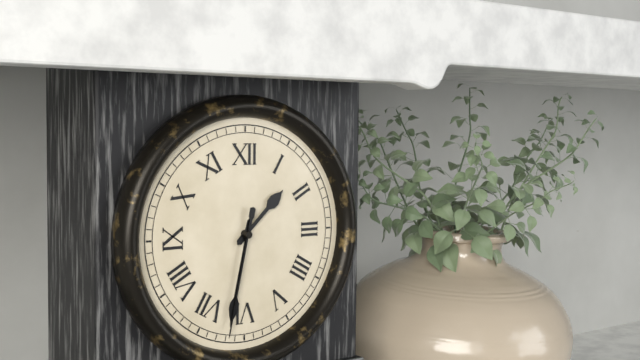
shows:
1,32,32
